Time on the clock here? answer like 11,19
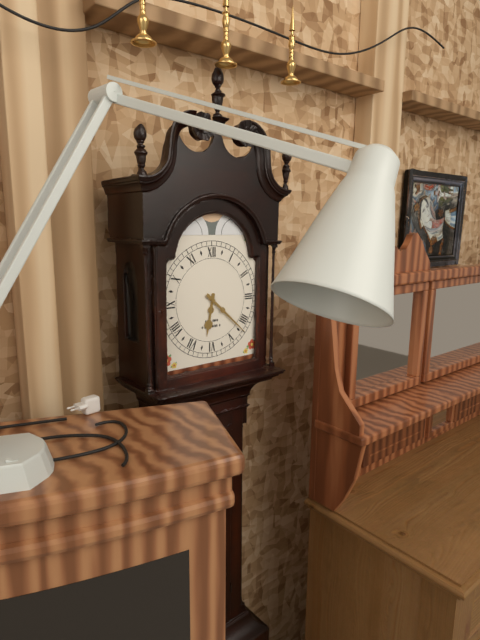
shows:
6,22
